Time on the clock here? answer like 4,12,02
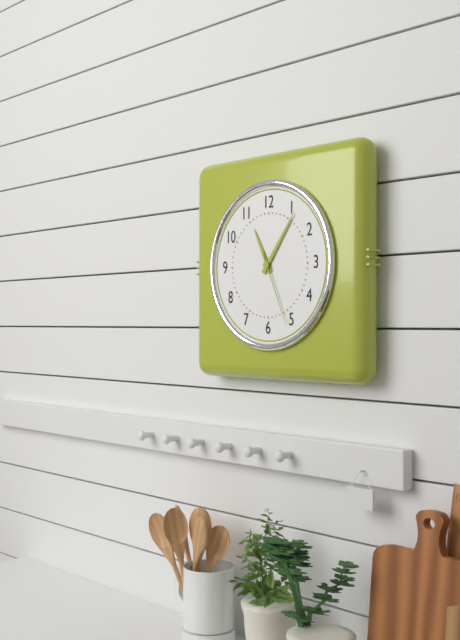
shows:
11,06,26
